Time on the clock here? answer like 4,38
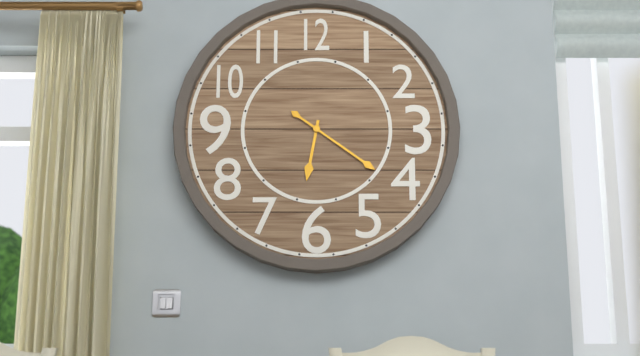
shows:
6,21
